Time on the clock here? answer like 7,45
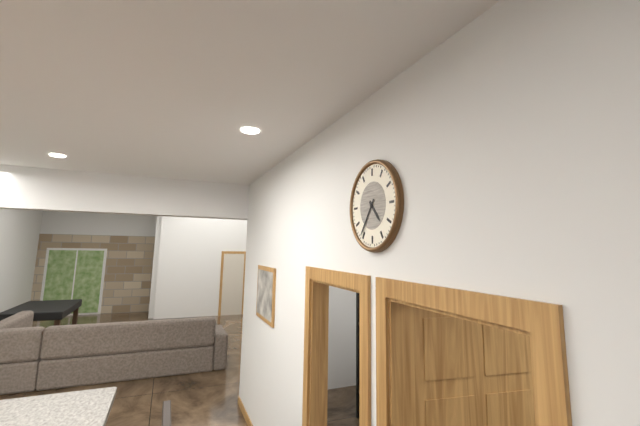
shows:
4,36
